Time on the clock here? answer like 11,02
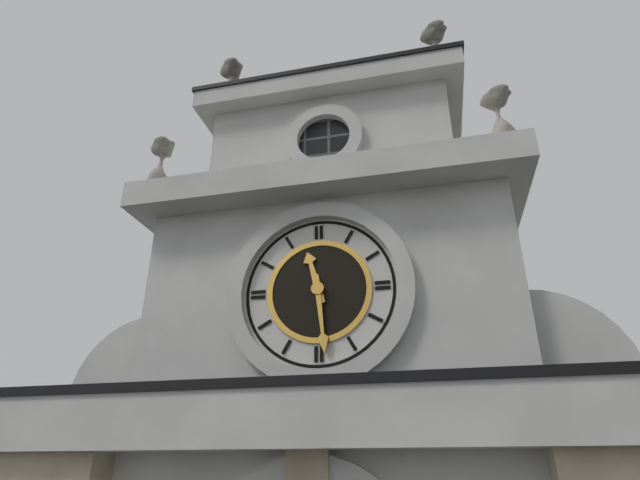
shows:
11,29
